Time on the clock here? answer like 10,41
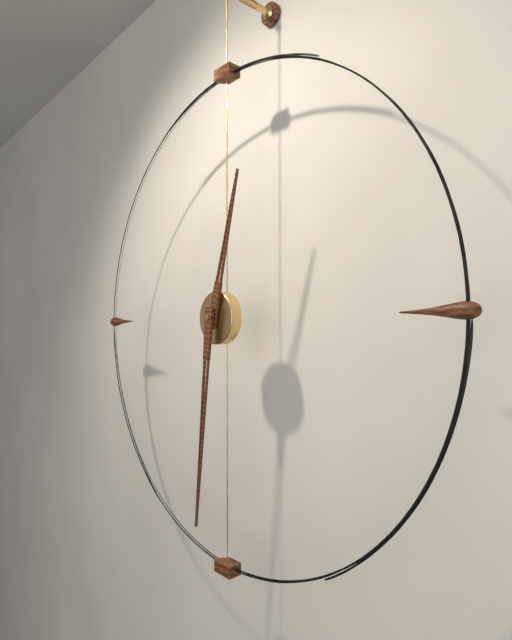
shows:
12,31
